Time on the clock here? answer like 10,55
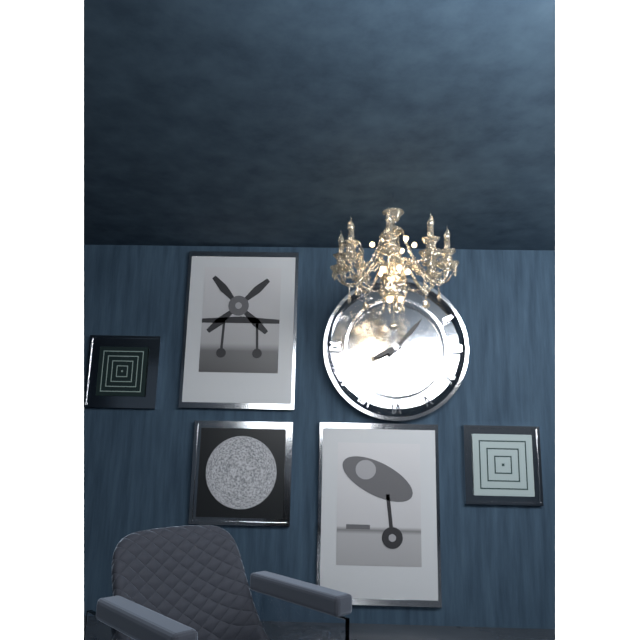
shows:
8,07
